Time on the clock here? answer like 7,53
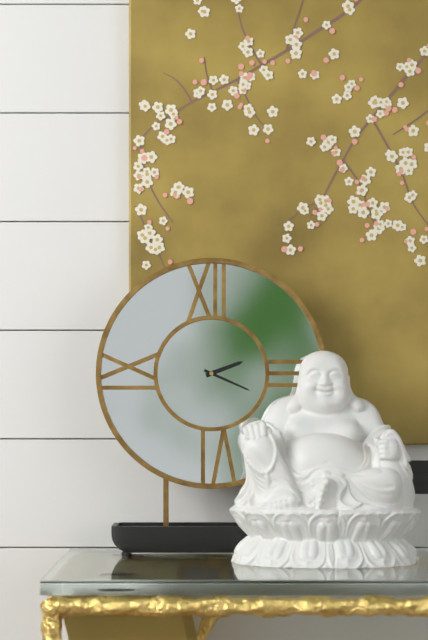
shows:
2,19
